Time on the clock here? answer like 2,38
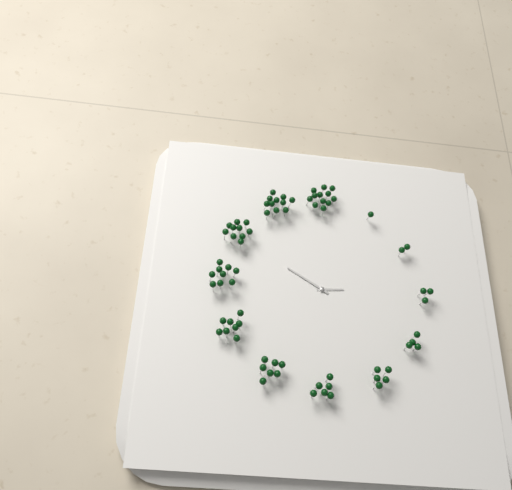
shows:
2,50
